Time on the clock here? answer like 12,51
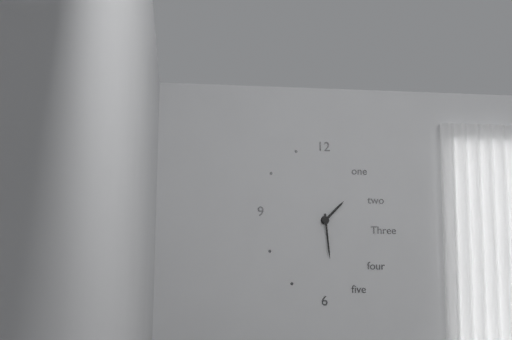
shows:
1,29
